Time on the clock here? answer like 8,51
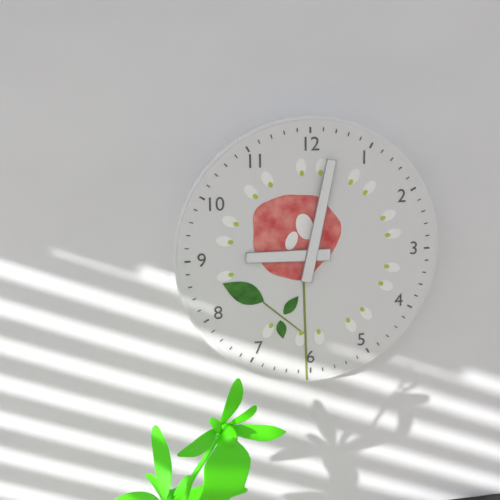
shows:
9,02
